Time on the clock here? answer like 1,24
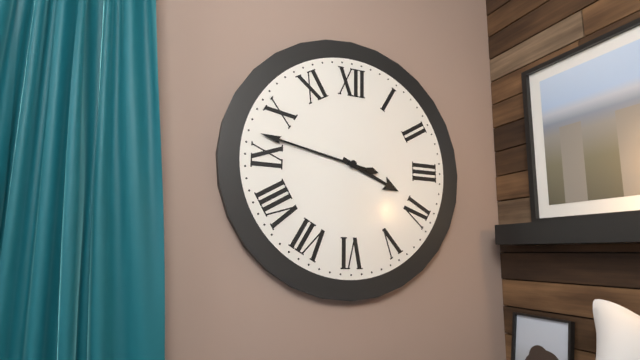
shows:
3,47
